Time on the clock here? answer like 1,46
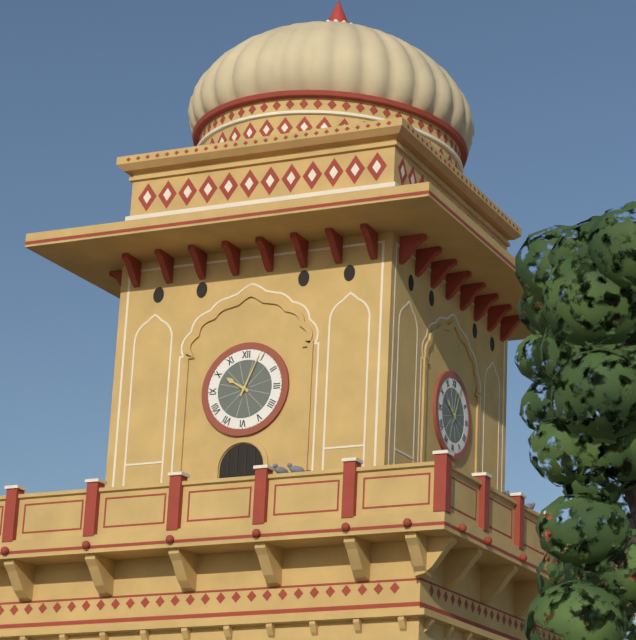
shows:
10,04
